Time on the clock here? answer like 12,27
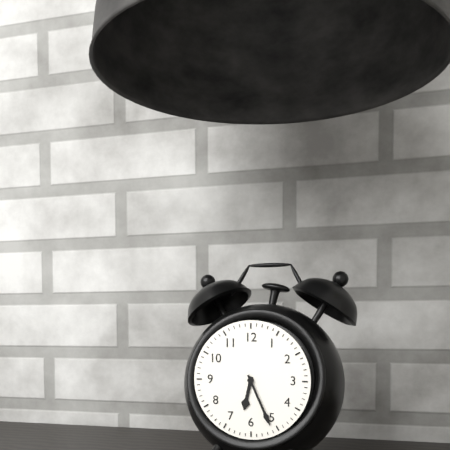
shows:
6,26
